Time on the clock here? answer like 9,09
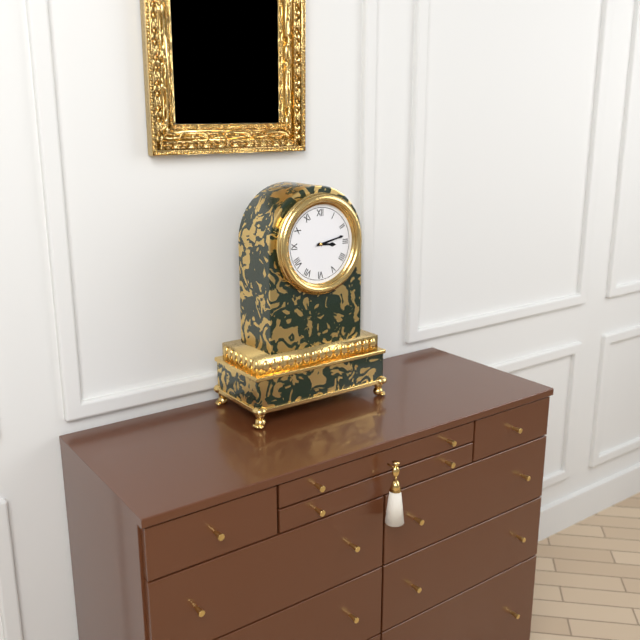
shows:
3,13
